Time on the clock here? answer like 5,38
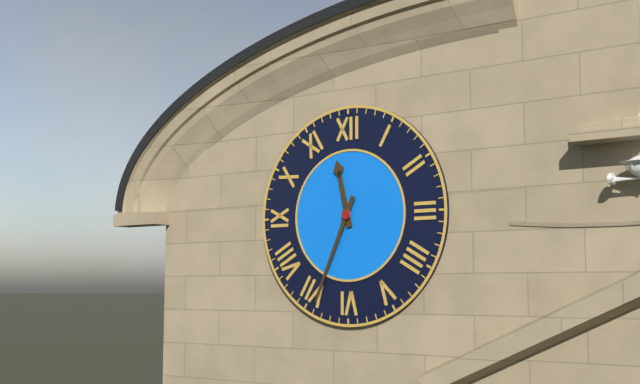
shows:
11,34
